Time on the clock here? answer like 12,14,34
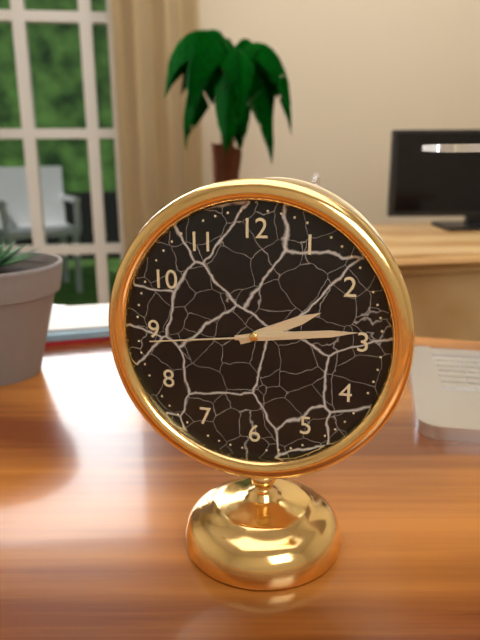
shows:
2,14,44
